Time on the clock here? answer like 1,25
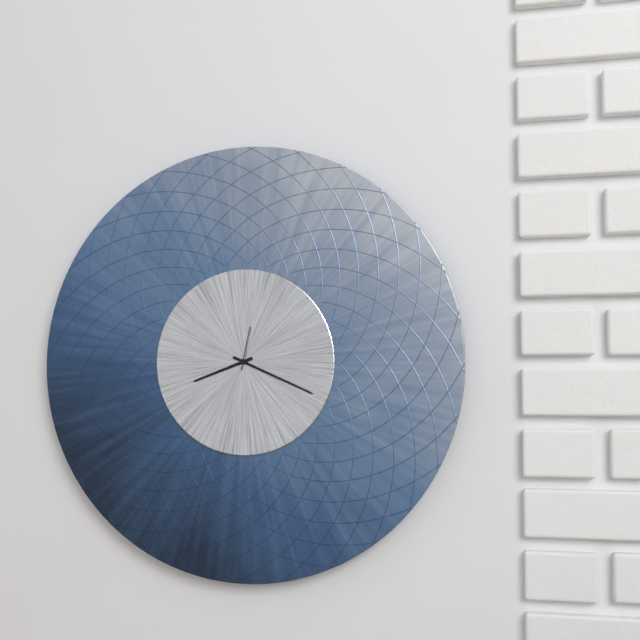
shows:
8,19
